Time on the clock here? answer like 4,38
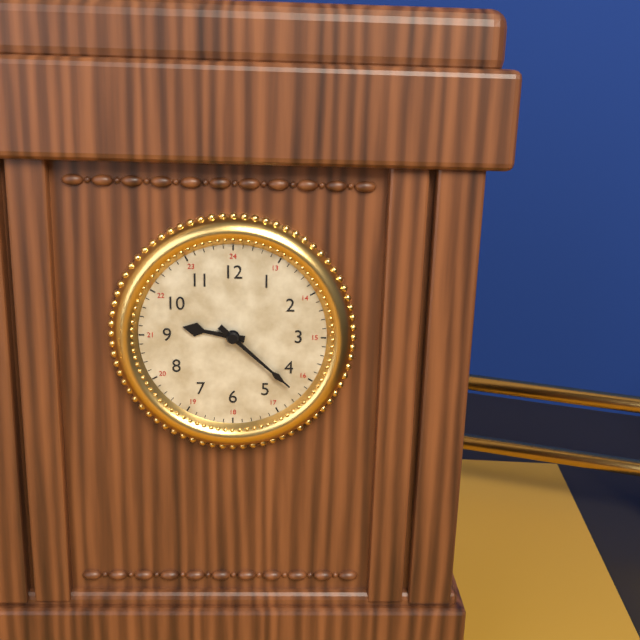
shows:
9,22
